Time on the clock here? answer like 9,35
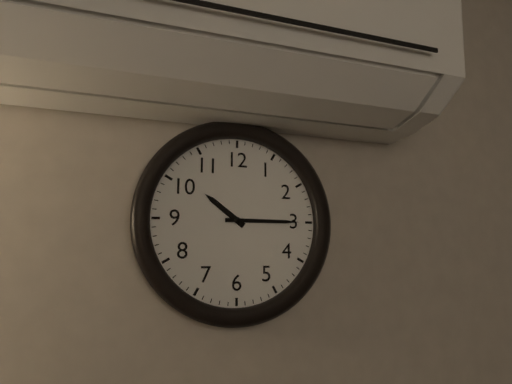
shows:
10,15
